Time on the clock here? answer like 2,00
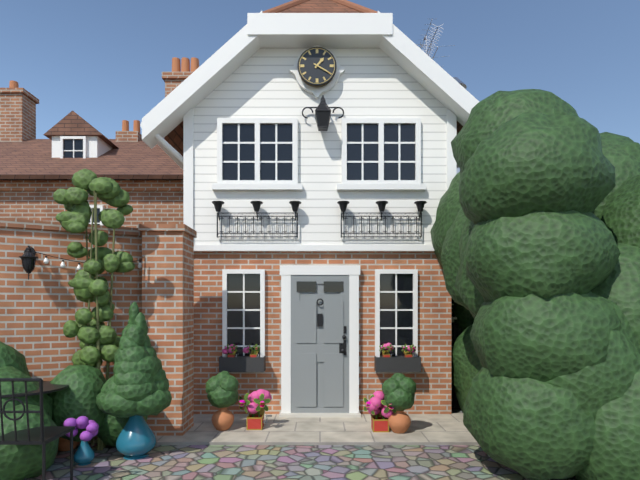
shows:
1,20
